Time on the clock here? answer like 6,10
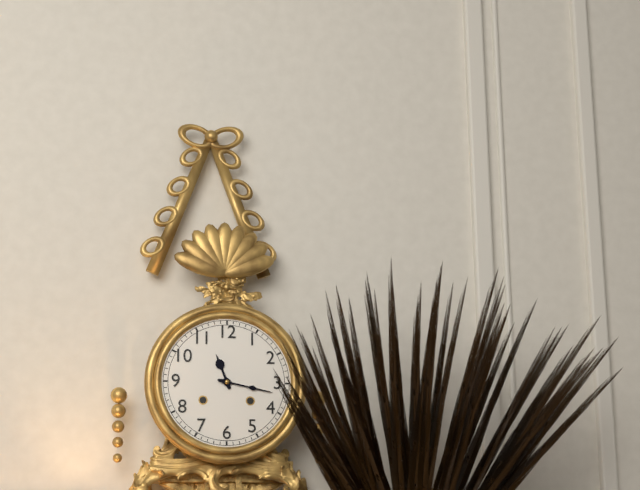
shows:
11,17
